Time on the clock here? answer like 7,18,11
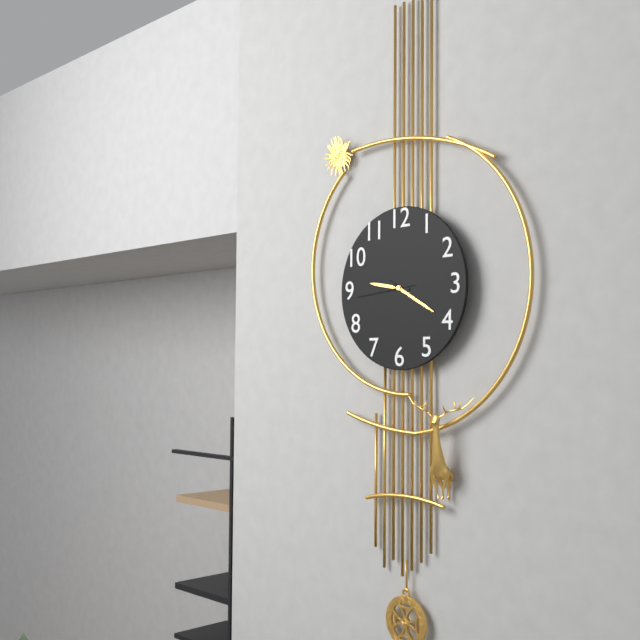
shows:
9,20,44
